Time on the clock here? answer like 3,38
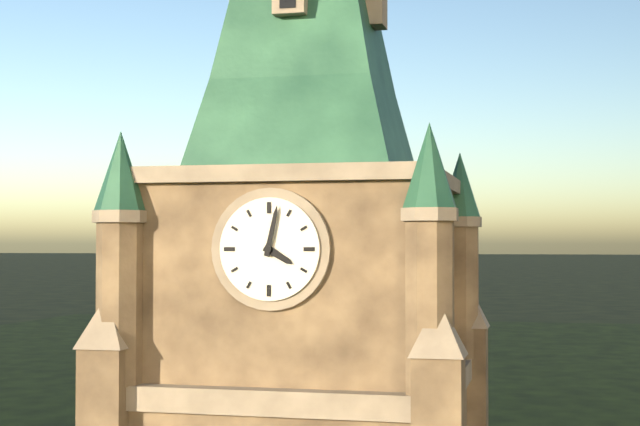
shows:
4,02
